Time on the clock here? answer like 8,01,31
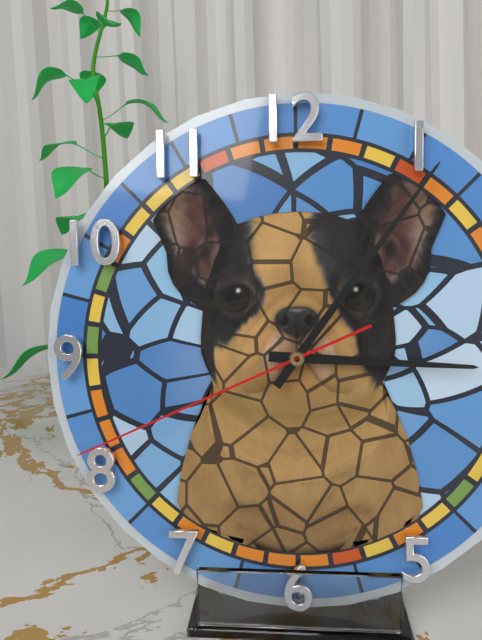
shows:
3,06,41
